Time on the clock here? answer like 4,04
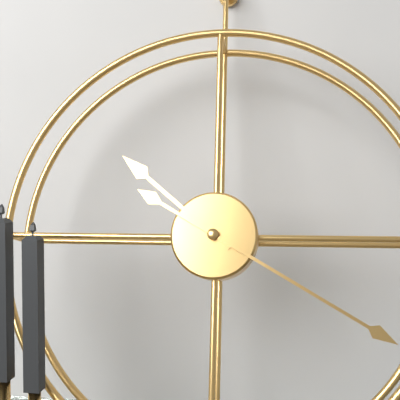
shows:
10,20
